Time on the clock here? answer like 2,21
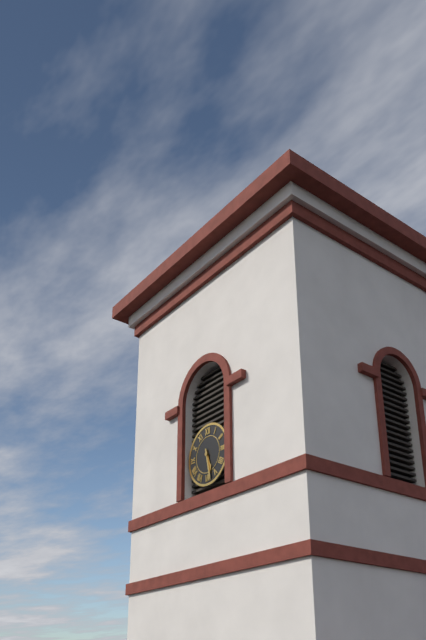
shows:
5,28
